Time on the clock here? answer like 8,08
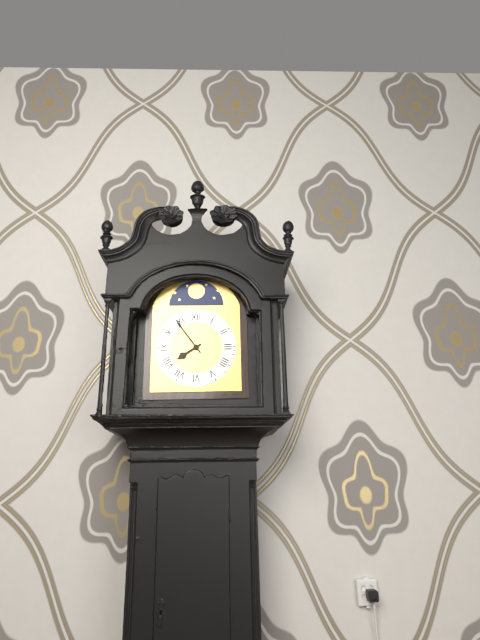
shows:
7,54
